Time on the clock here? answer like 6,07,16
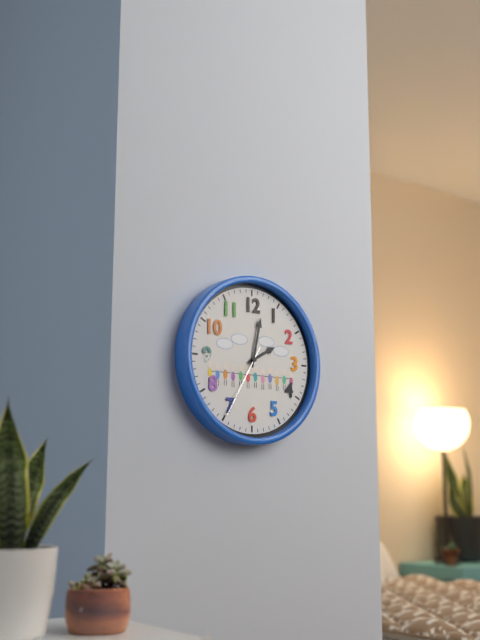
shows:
2,02,35
